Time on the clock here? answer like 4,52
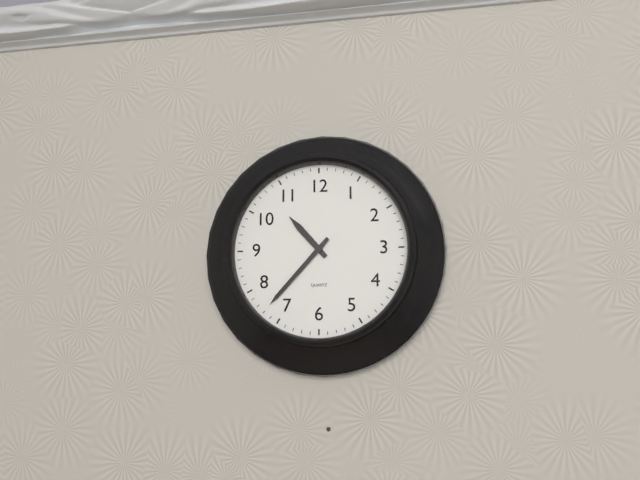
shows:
10,37
